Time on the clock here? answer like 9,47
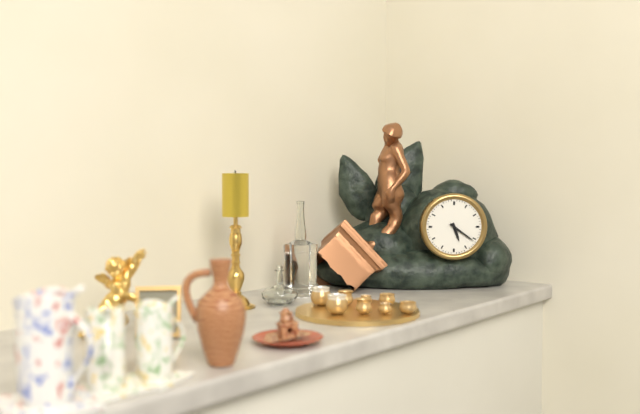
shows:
5,21
